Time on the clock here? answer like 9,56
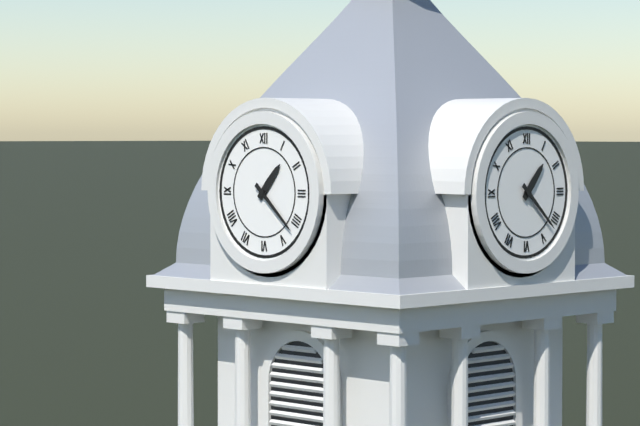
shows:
1,22
